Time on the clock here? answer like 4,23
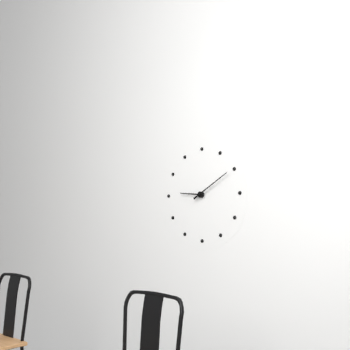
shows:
9,10
